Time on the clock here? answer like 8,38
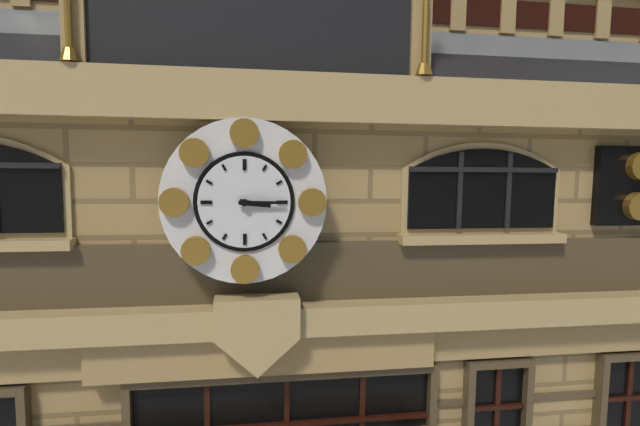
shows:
3,15
